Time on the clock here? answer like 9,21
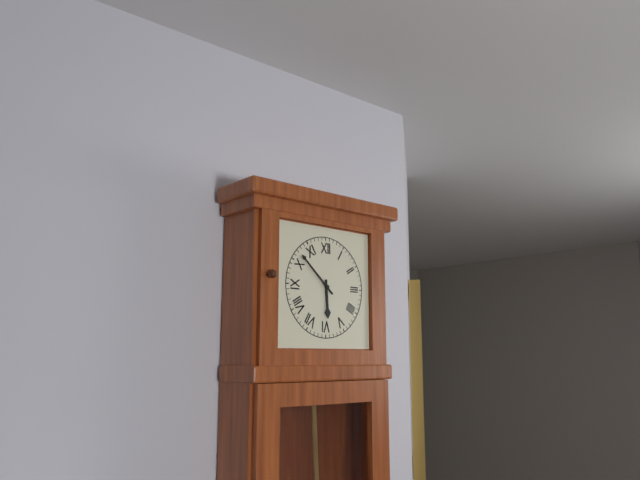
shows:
5,52
